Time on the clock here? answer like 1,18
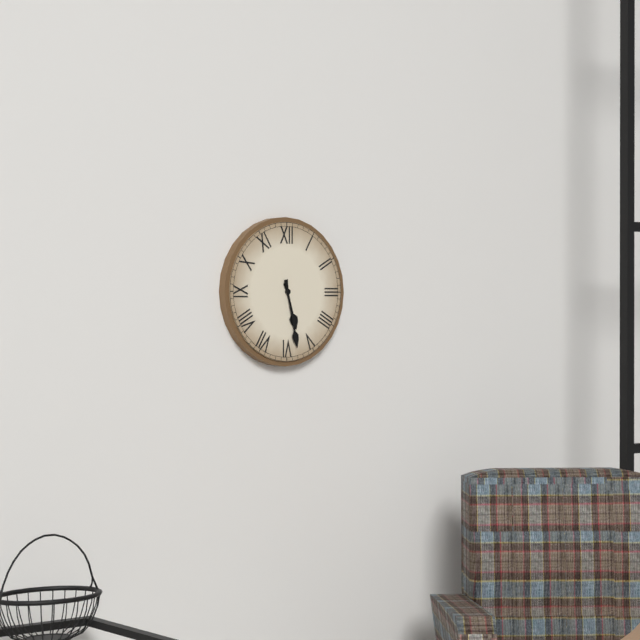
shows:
5,28
